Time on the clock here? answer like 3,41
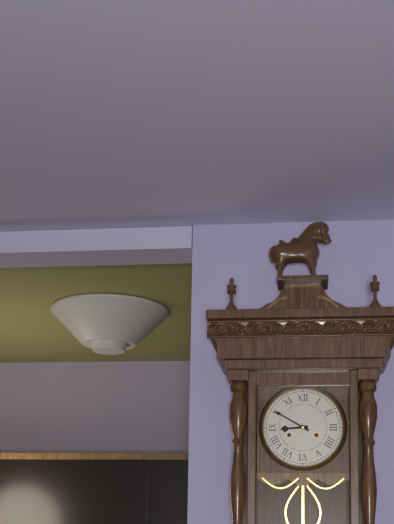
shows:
8,50
